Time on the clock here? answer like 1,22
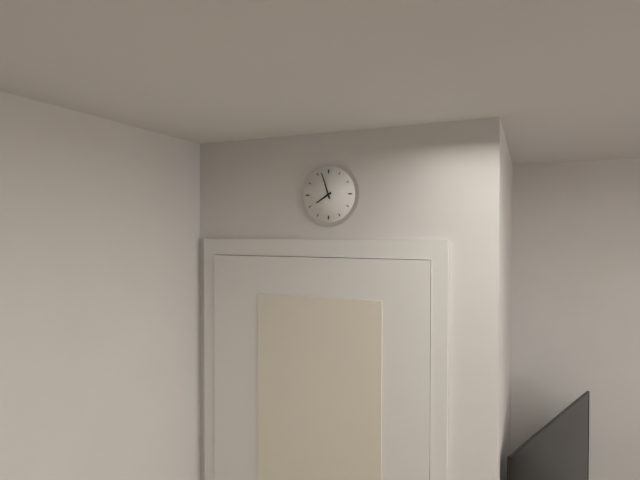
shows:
7,57
